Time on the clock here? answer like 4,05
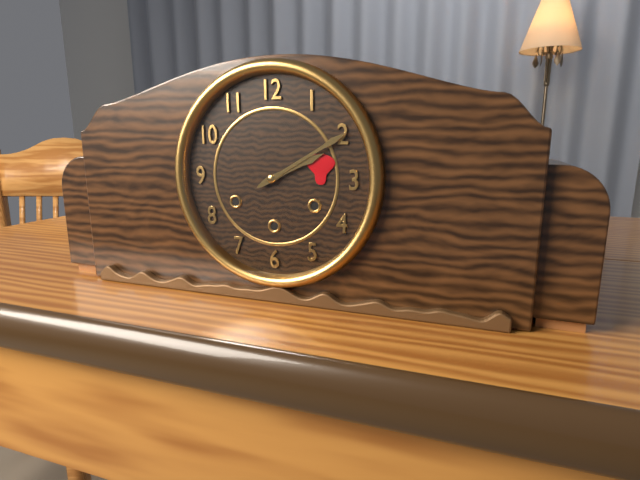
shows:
2,10
